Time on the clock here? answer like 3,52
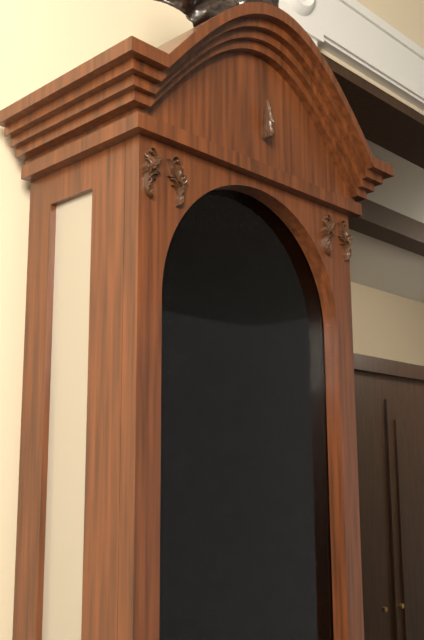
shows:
10,15
